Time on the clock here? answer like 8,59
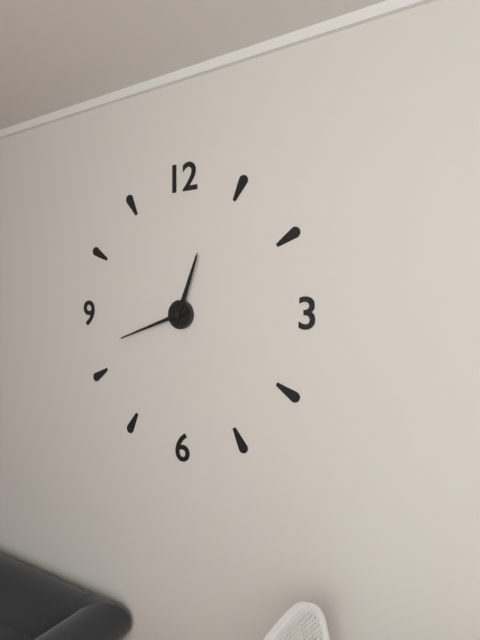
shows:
12,42
